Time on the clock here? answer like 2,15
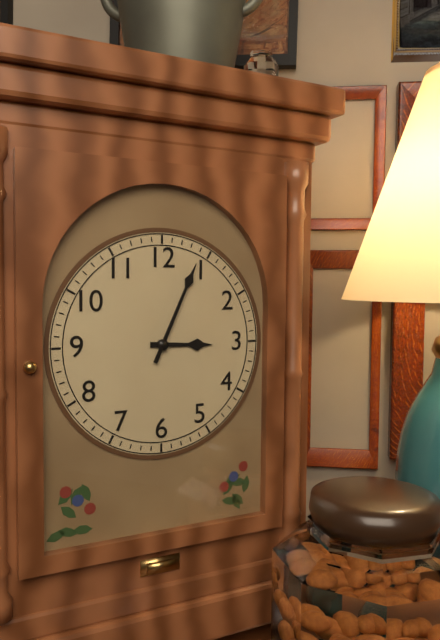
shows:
3,04
